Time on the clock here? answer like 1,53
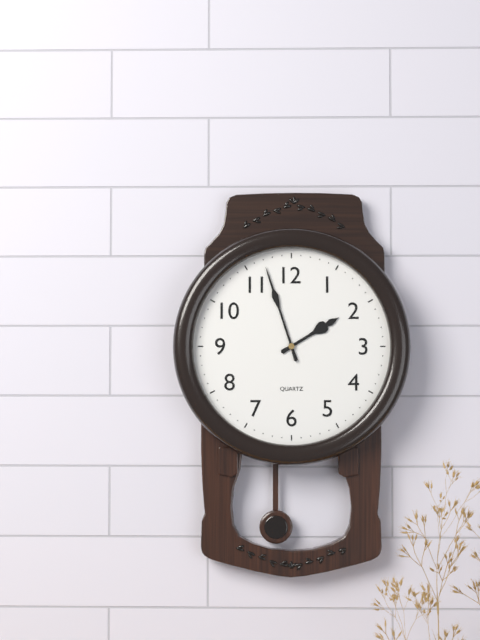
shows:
1,57
